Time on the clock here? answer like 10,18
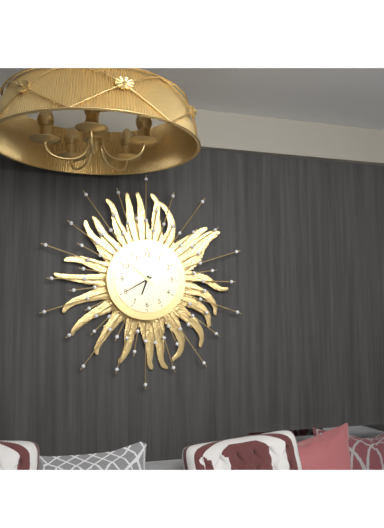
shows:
6,40
